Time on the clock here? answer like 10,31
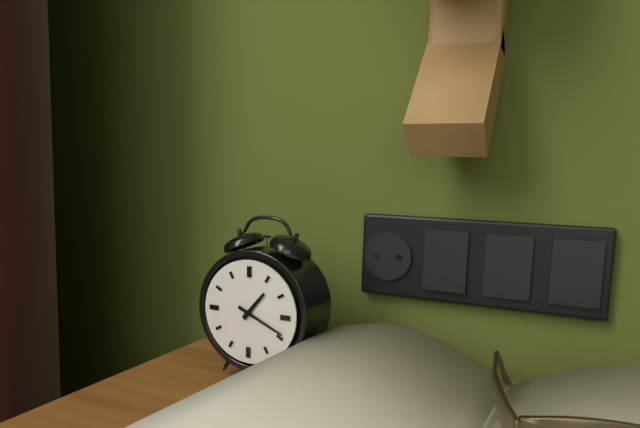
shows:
1,19
